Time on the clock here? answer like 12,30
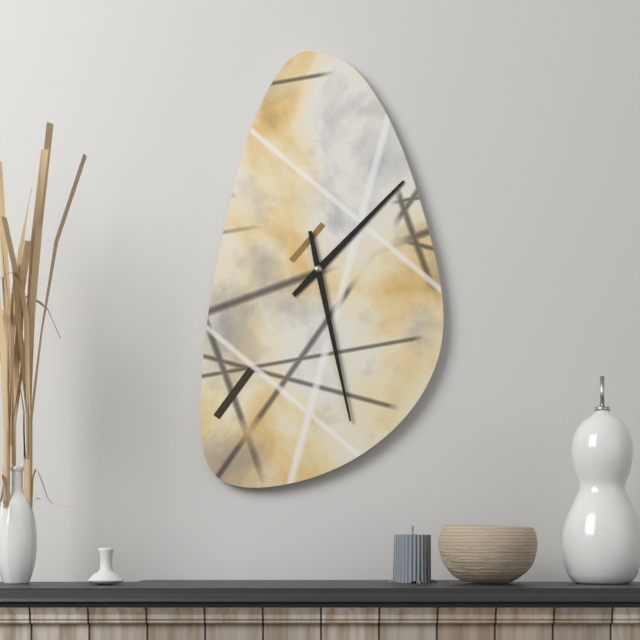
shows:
1,28
